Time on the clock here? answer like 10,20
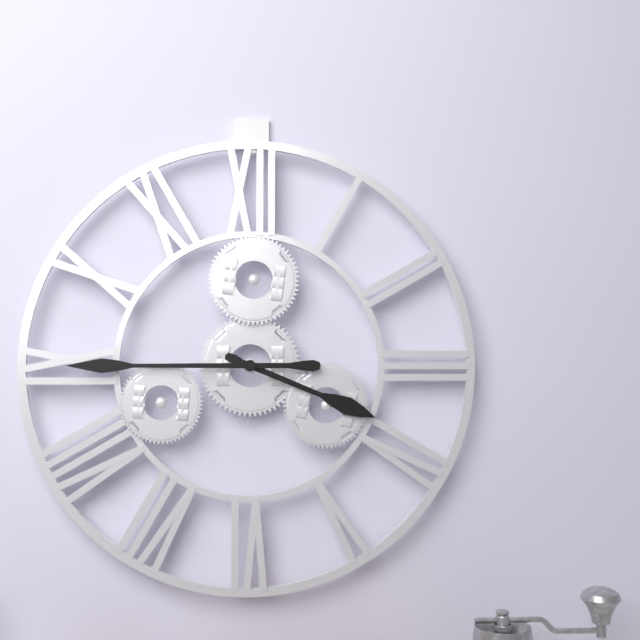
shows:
3,45
